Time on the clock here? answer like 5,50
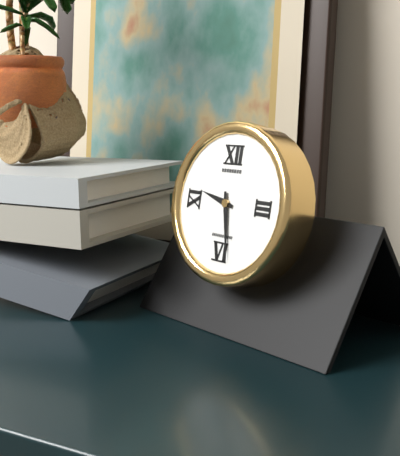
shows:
9,28
